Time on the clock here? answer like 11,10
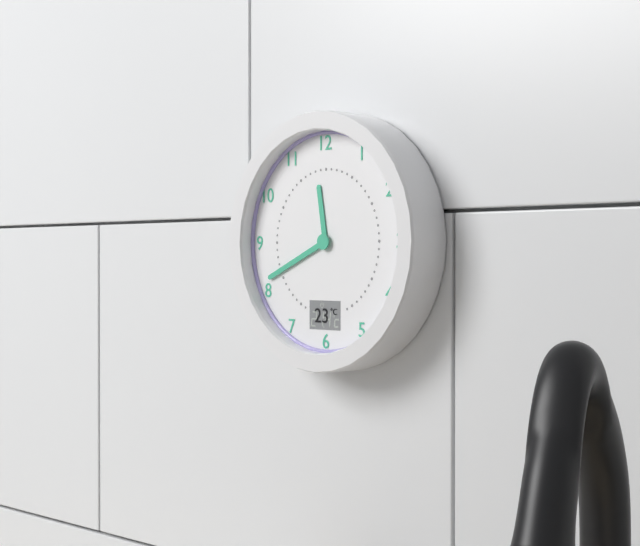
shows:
11,41
